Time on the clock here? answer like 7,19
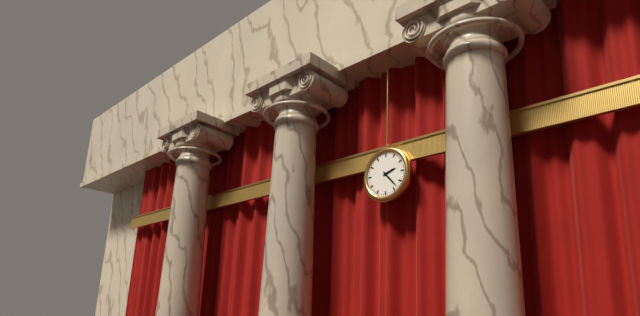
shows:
2,23
